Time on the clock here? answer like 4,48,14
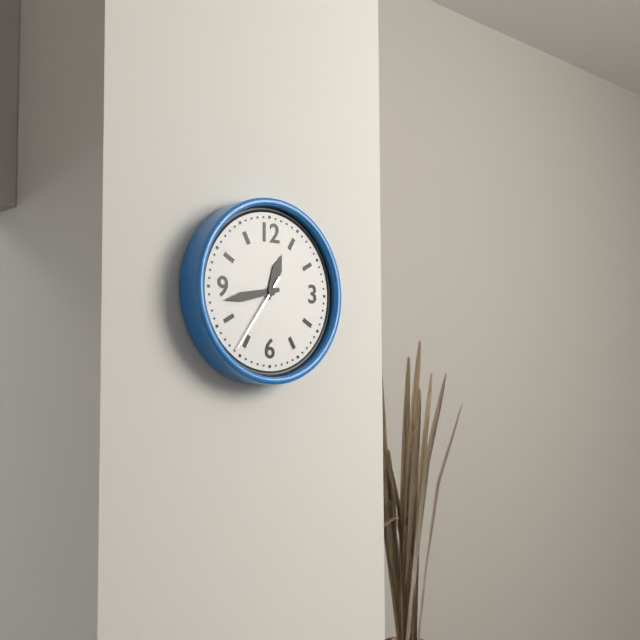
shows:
12,43,36
